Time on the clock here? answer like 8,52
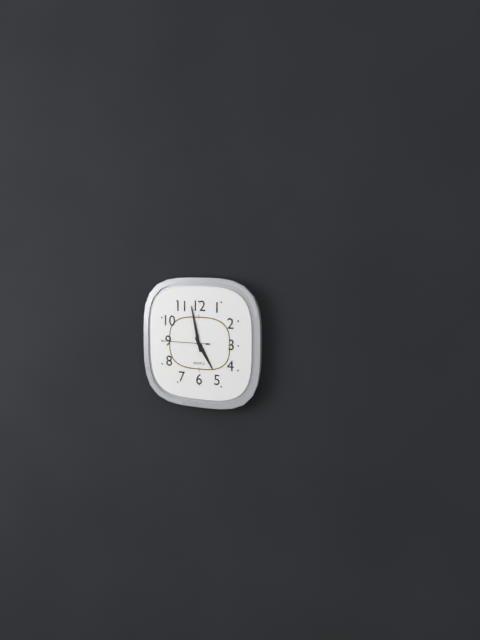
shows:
4,58
